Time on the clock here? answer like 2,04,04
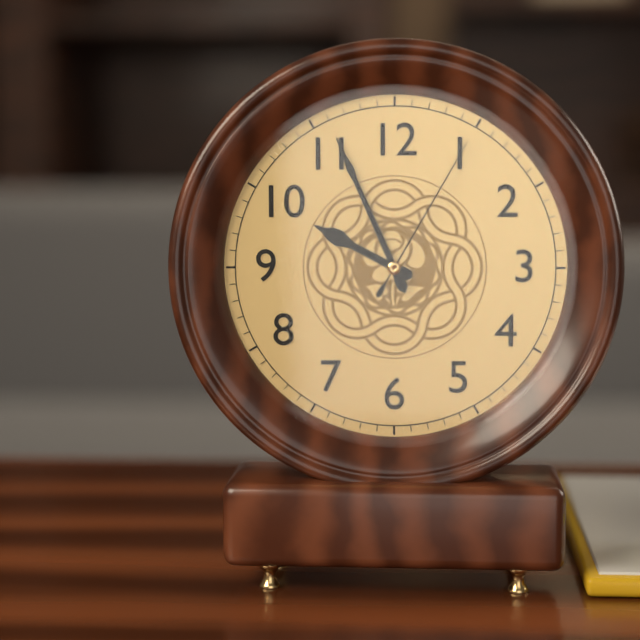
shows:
9,56,05
